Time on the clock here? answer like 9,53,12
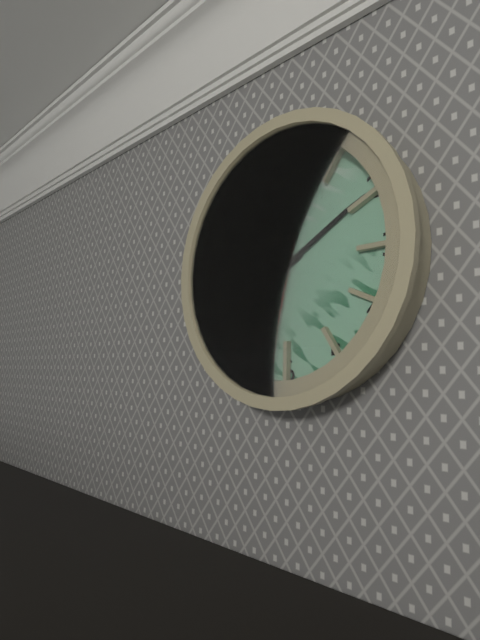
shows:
8,10,32
